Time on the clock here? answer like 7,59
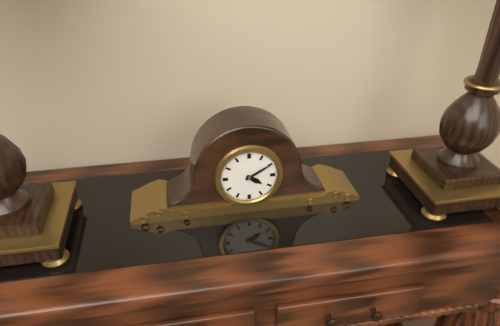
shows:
4,10
